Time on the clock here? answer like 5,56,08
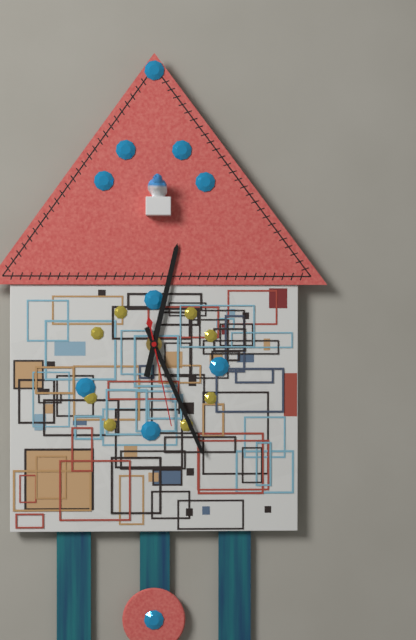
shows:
12,26,28
